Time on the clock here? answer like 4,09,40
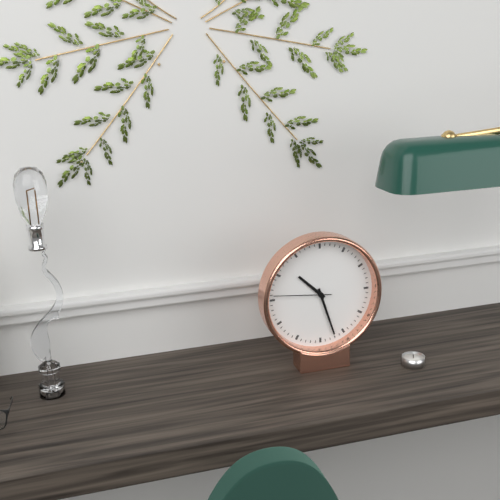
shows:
10,27,46
